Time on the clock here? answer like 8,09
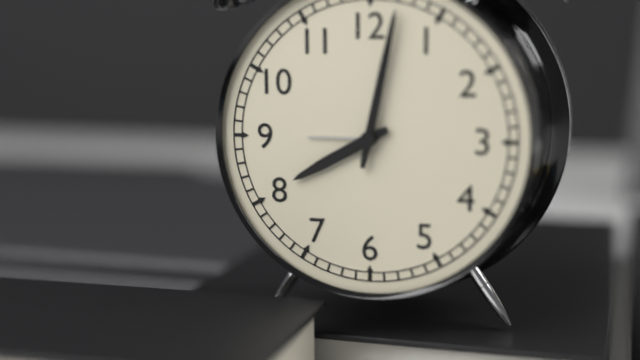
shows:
8,02
